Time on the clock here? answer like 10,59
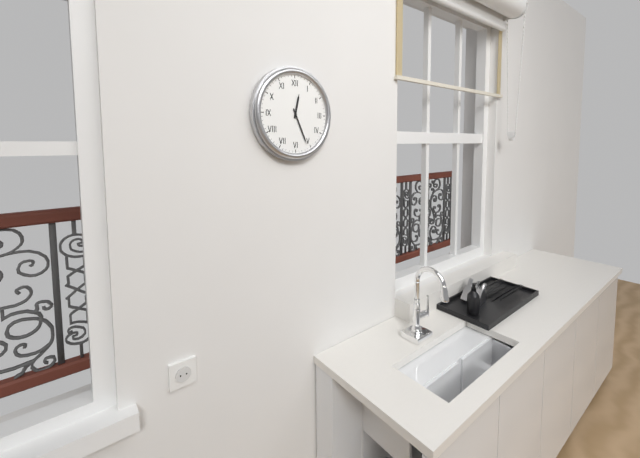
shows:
12,26
